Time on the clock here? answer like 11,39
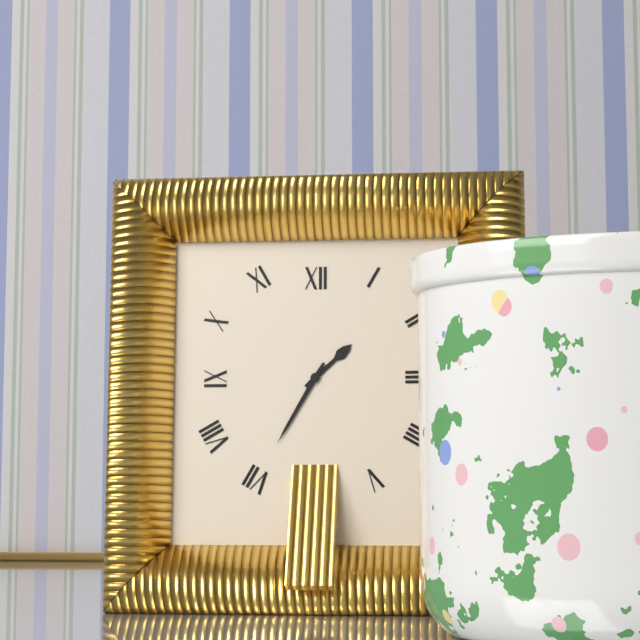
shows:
1,35
